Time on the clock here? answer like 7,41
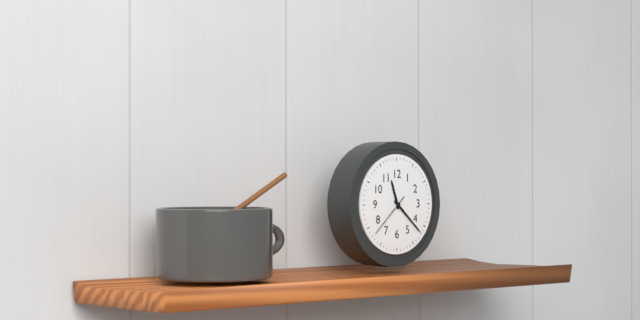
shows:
11,22
